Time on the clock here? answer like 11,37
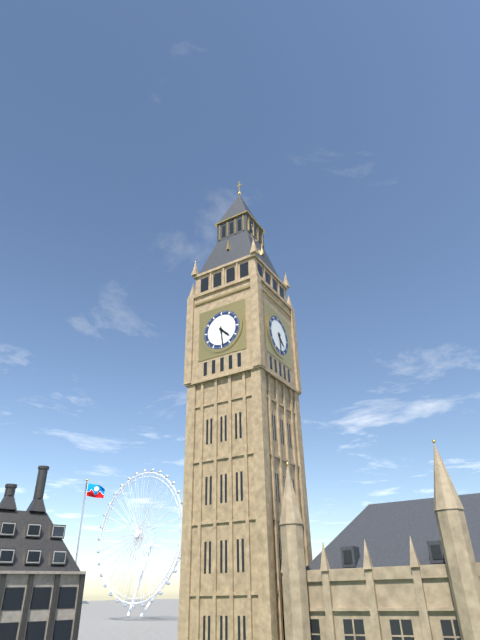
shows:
4,29
